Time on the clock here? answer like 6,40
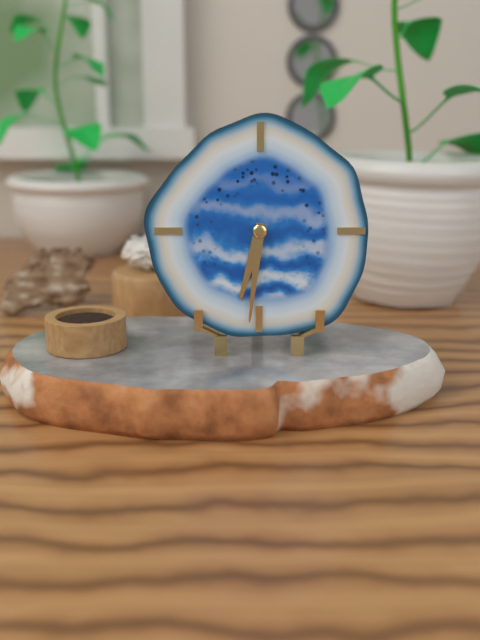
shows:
6,31
